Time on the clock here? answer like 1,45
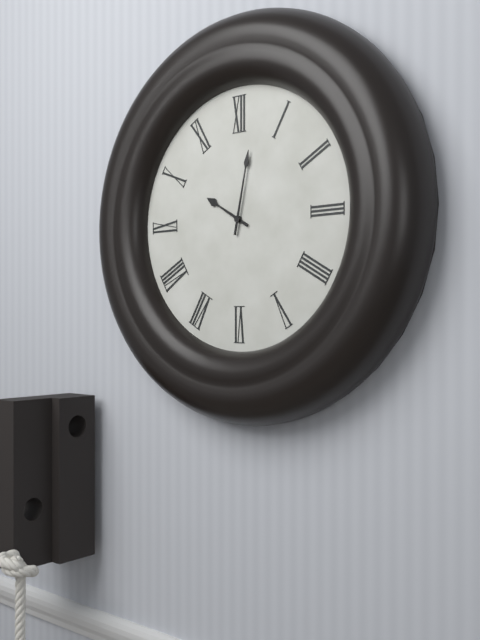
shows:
10,02
